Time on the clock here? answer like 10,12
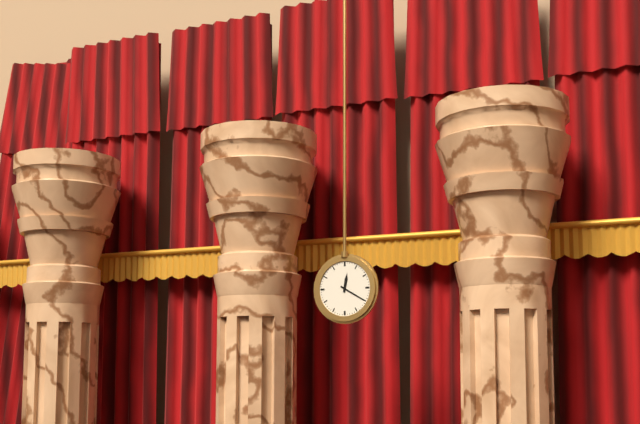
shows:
12,20
